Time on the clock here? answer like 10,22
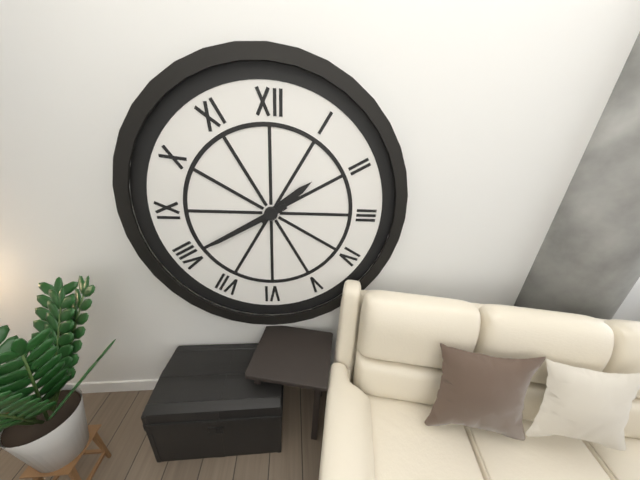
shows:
1,40
